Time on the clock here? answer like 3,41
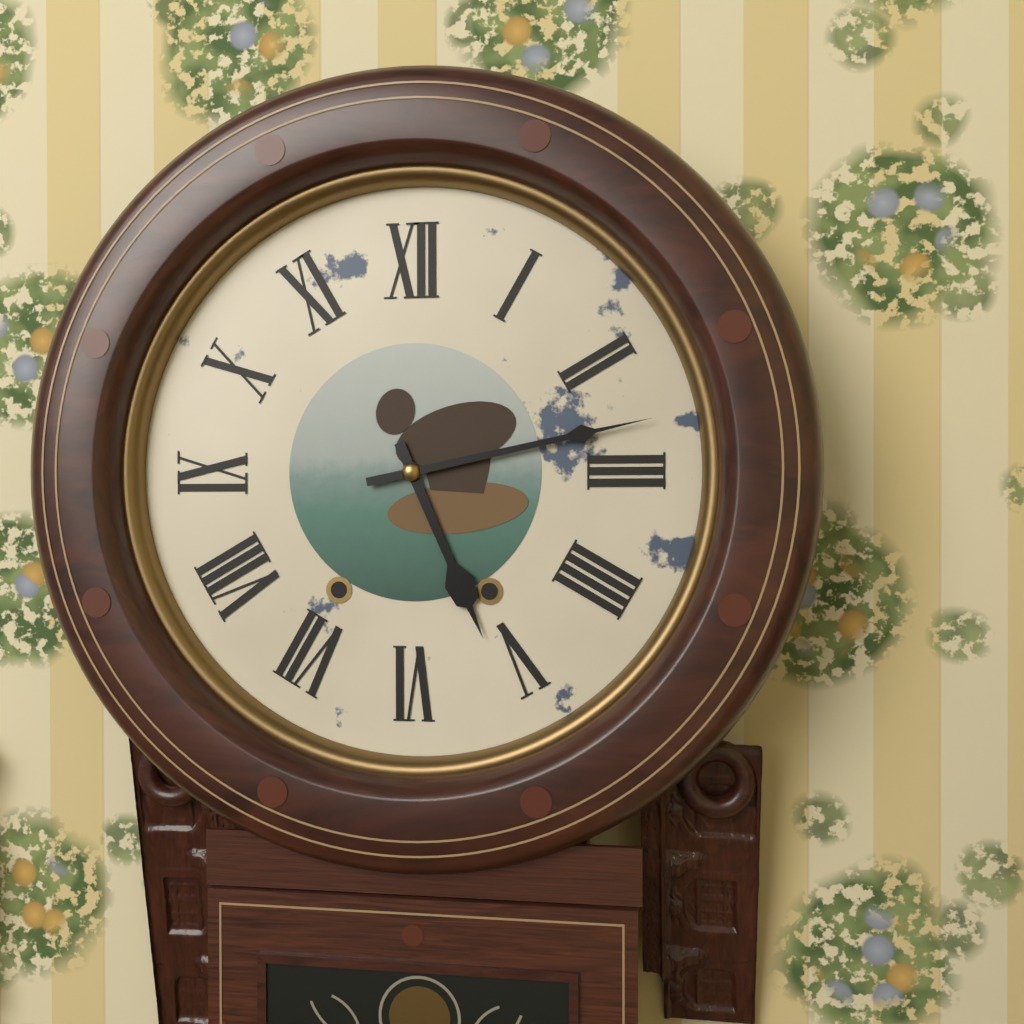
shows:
5,13
